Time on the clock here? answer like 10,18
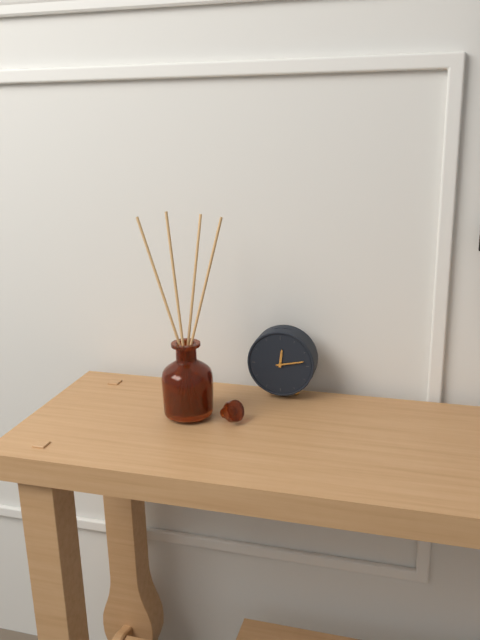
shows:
12,13
